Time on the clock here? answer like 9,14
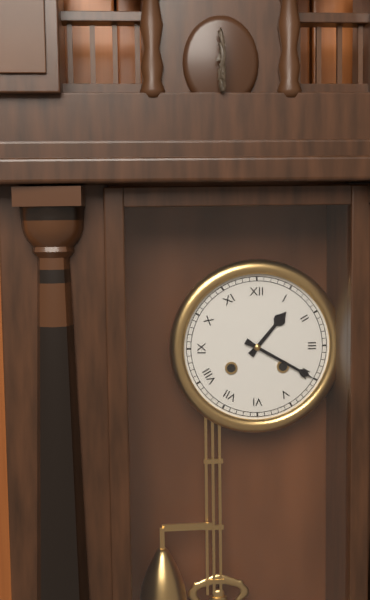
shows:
1,20
